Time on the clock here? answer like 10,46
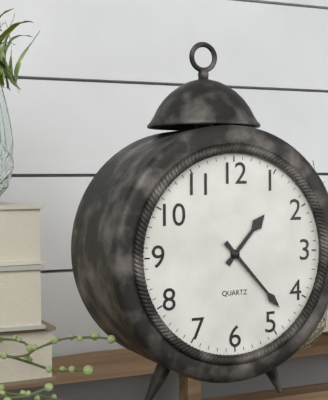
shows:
1,23
